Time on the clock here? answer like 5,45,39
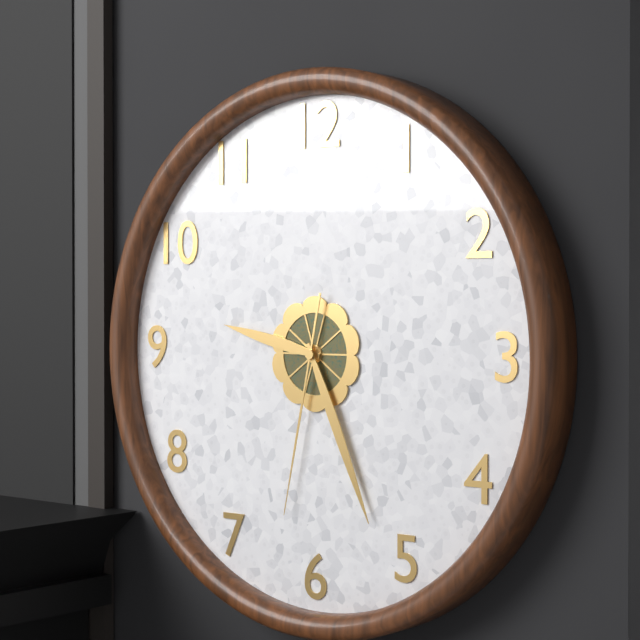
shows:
9,26,32
